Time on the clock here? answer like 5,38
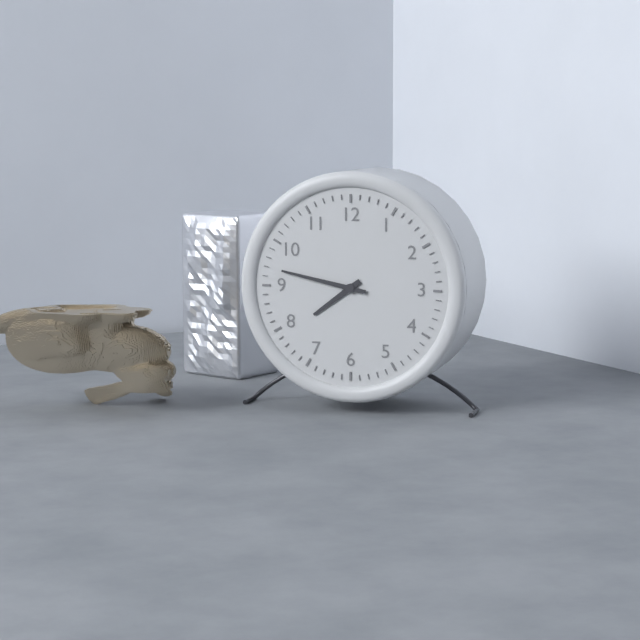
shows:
7,47
